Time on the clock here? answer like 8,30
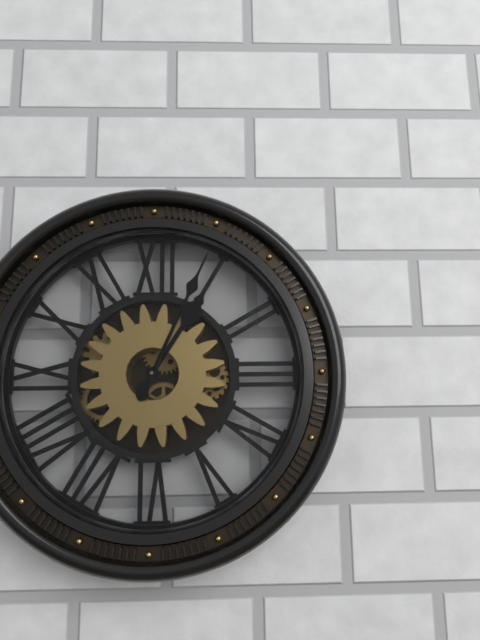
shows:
1,04
